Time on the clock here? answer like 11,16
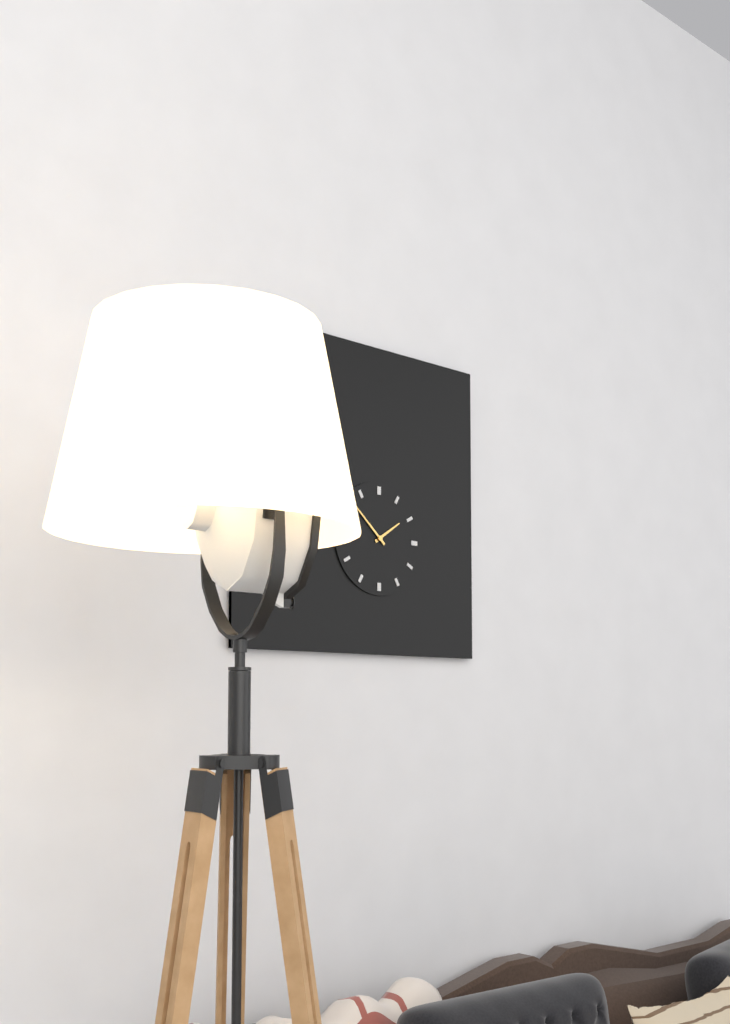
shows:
1,52
